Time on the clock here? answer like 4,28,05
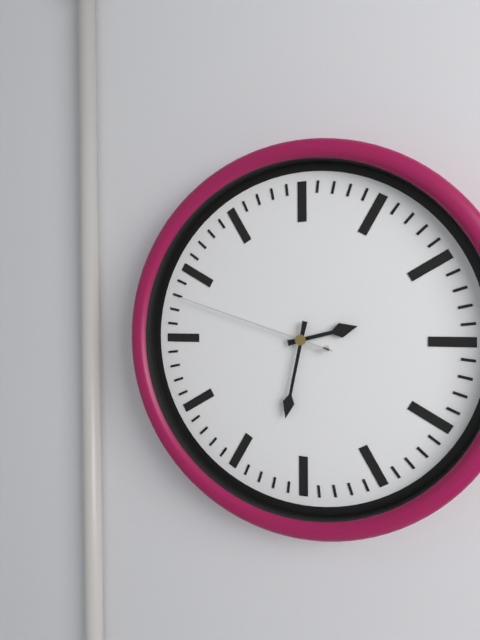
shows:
2,32,48
